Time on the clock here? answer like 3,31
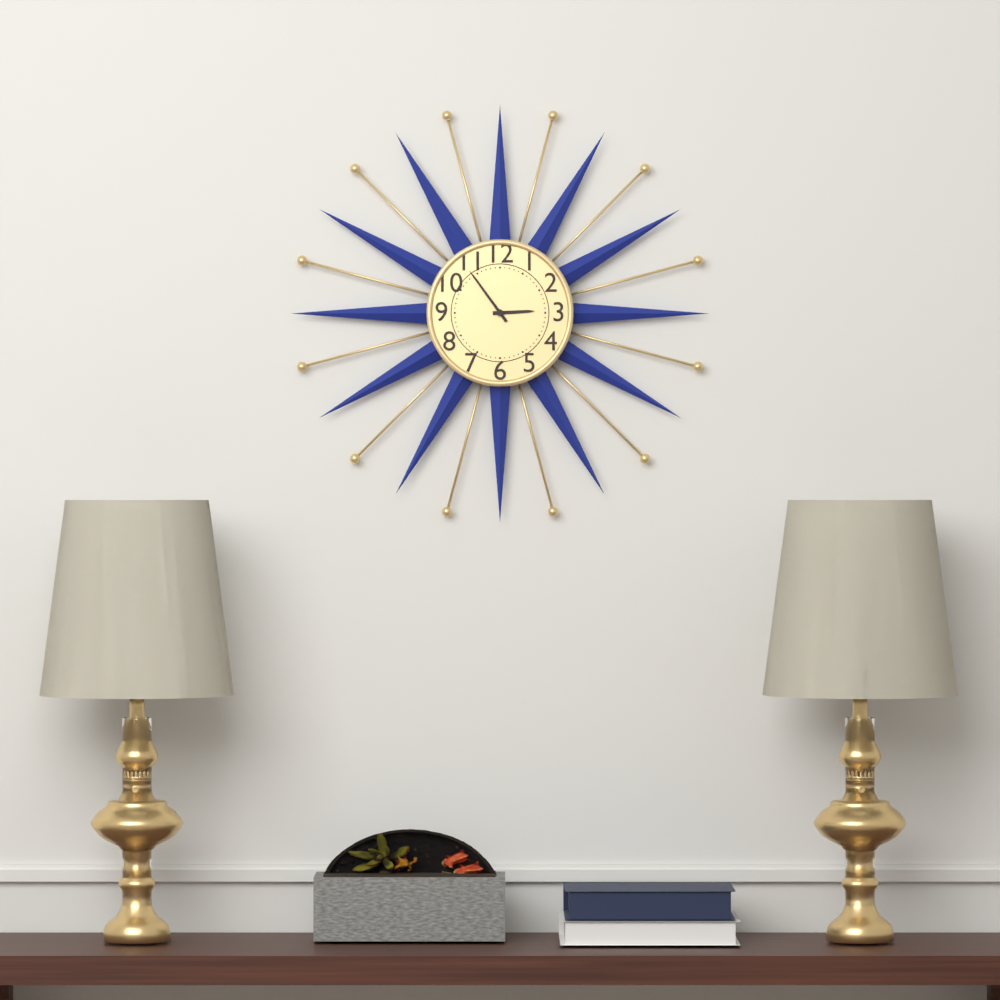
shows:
2,54
